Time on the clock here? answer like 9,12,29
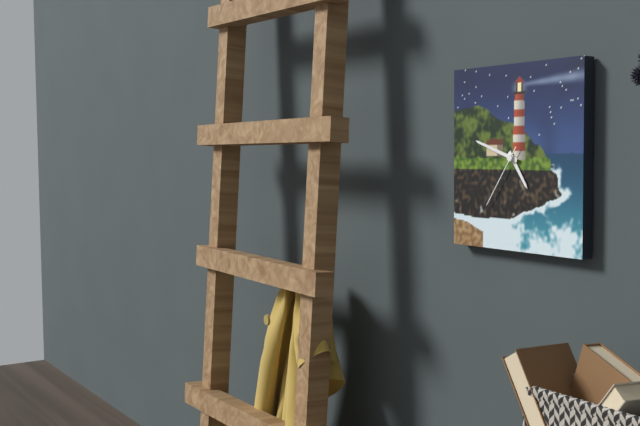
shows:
4,48,36
